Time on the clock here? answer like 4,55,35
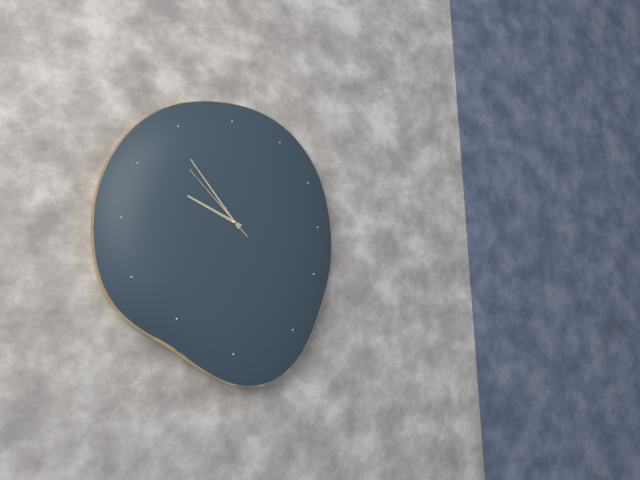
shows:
9,54,53
